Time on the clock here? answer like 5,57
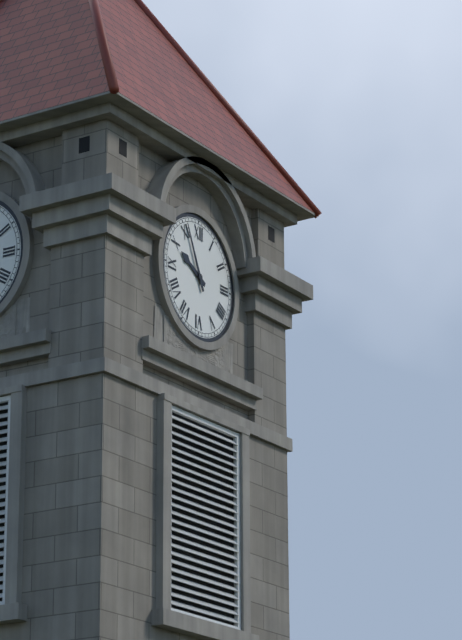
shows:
9,56
